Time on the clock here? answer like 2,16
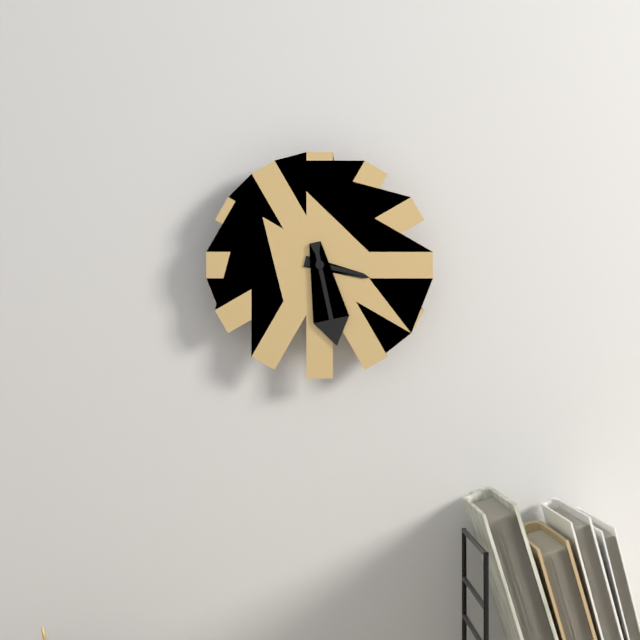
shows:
3,28
